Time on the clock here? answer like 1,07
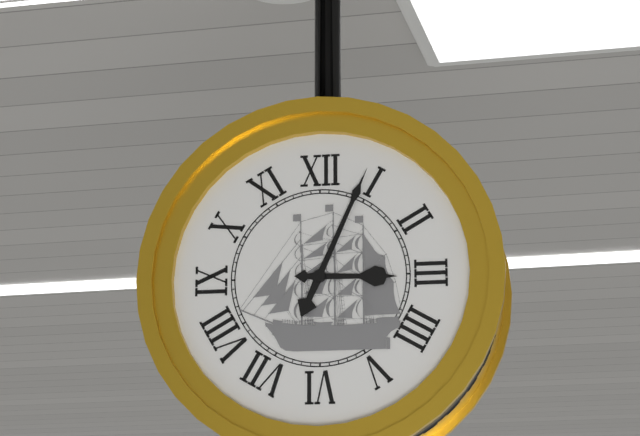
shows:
3,04
